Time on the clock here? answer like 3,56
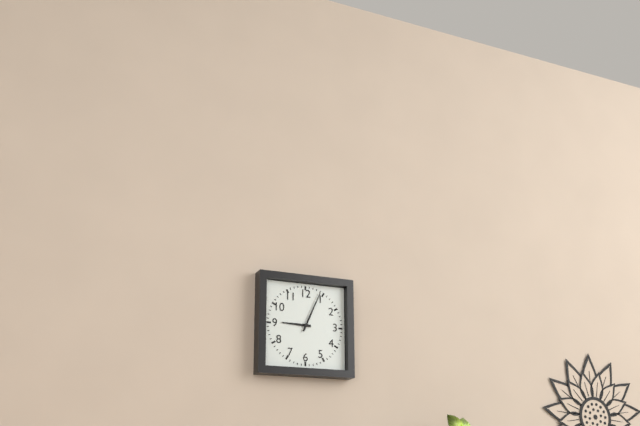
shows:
9,04
